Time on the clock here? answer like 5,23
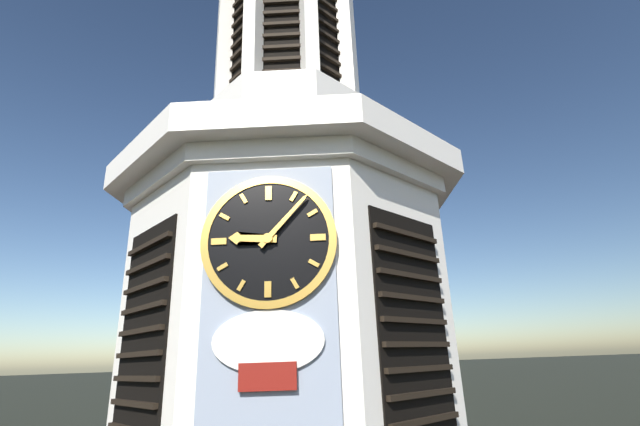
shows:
9,07
